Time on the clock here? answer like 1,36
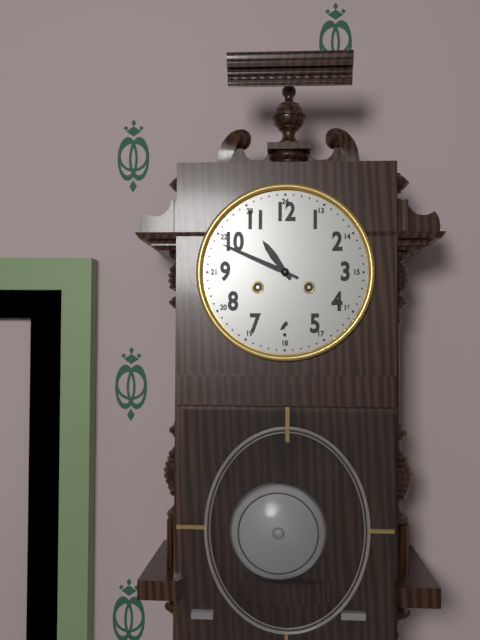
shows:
10,49
